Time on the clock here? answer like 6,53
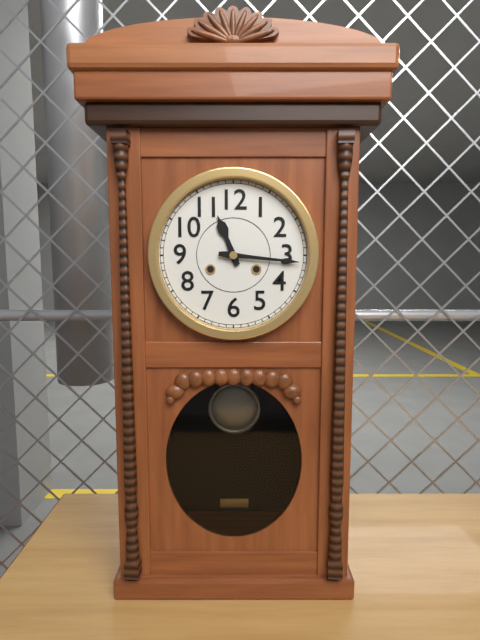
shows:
11,16
